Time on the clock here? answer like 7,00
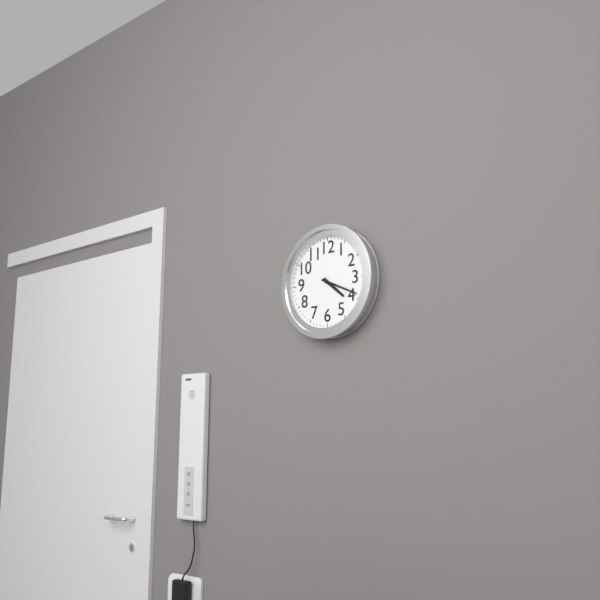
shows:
4,19
